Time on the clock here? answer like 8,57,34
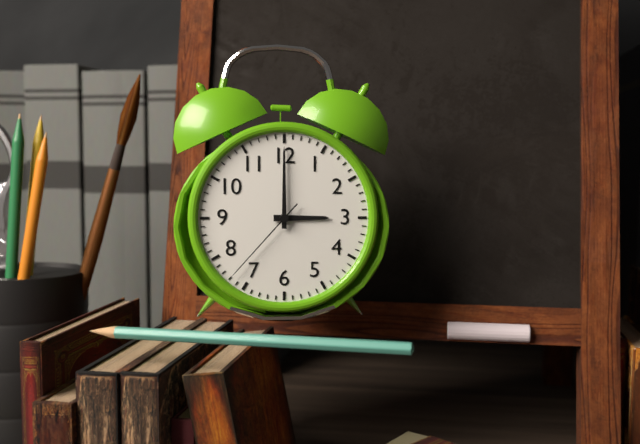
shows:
3,00,37
